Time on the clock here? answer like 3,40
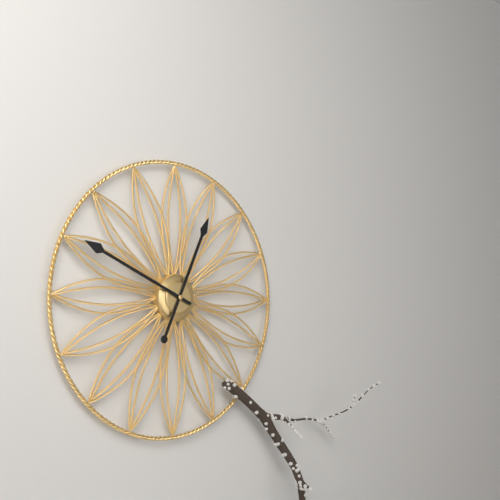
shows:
12,49
